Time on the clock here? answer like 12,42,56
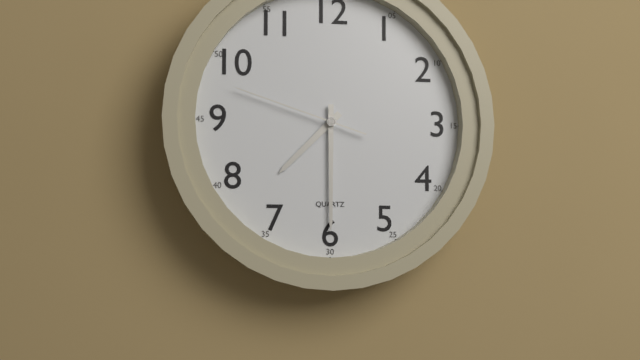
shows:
7,30,48
